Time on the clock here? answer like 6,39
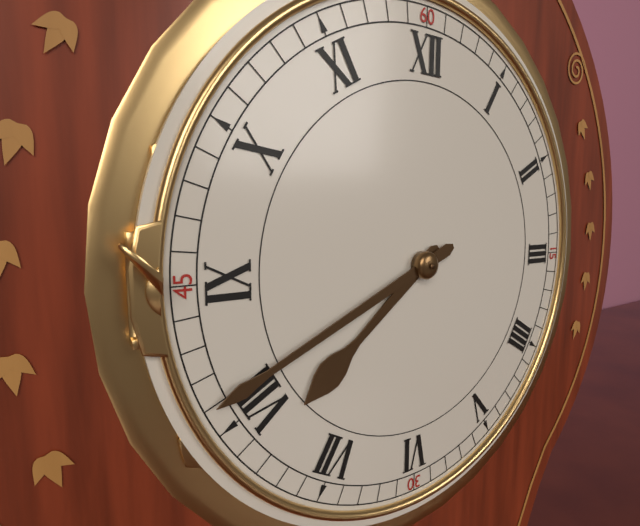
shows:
7,41
